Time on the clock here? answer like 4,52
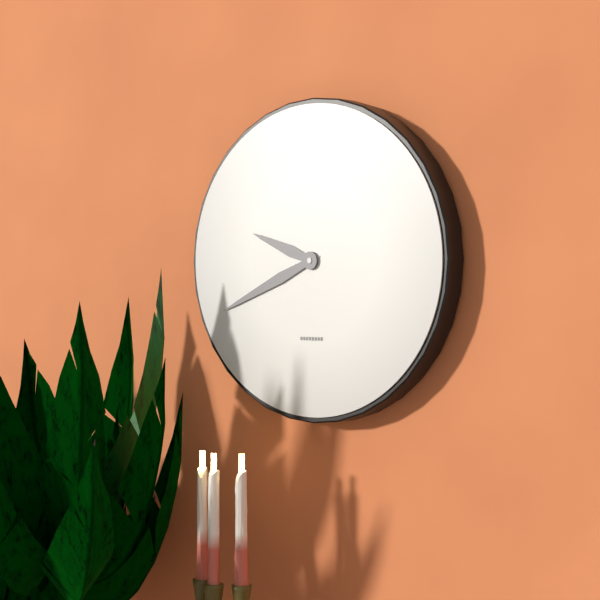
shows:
9,41
